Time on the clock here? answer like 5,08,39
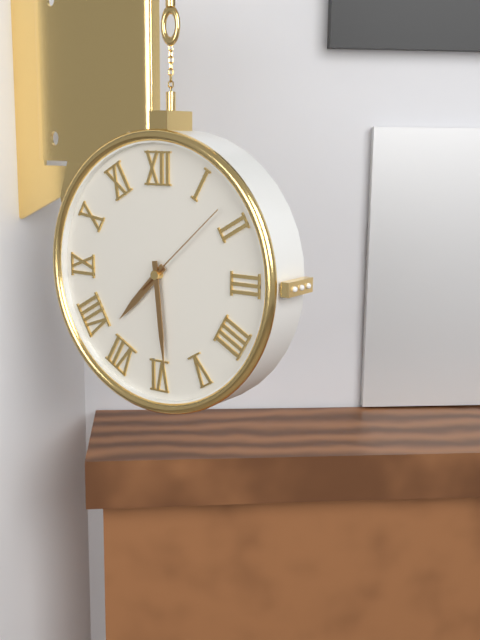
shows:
7,29,08
